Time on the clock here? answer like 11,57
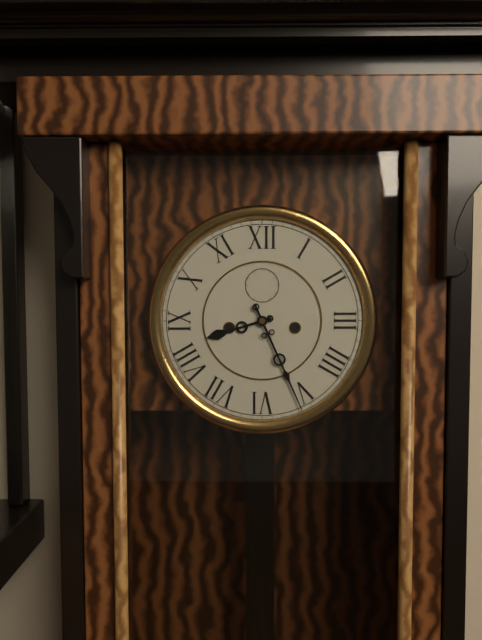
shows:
8,26
